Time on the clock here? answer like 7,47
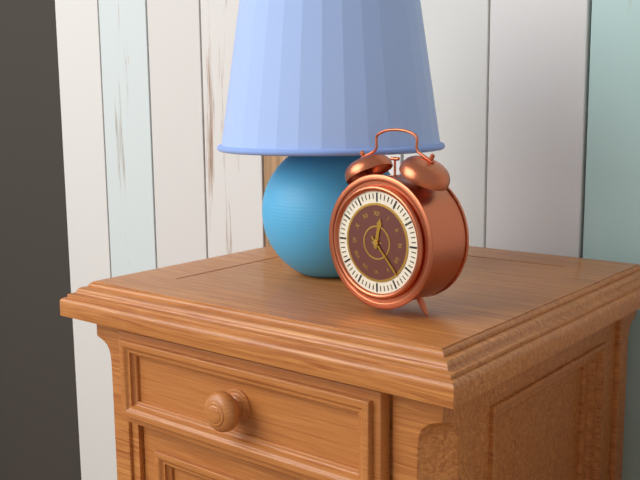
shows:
12,23
